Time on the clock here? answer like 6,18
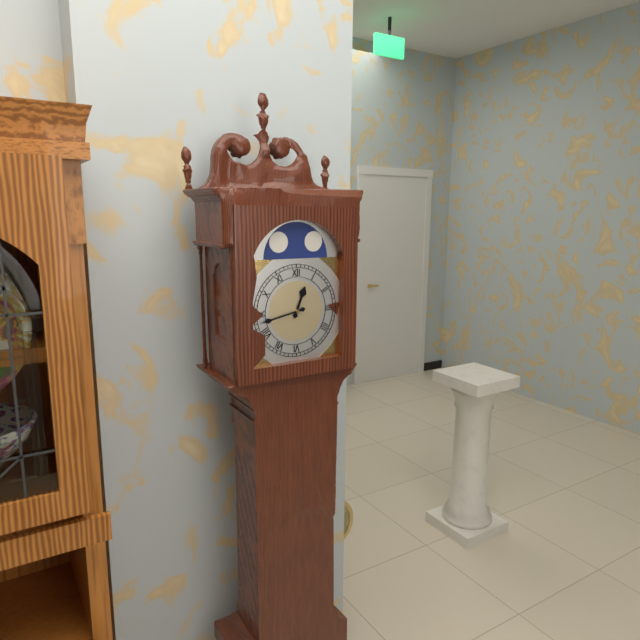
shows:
12,43
